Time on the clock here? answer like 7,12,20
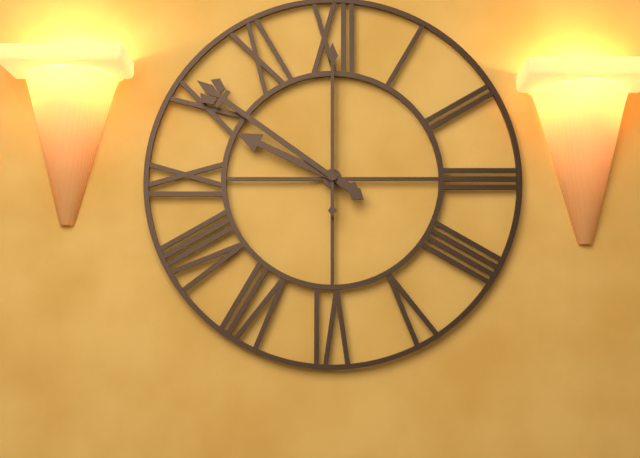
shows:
9,51,00
